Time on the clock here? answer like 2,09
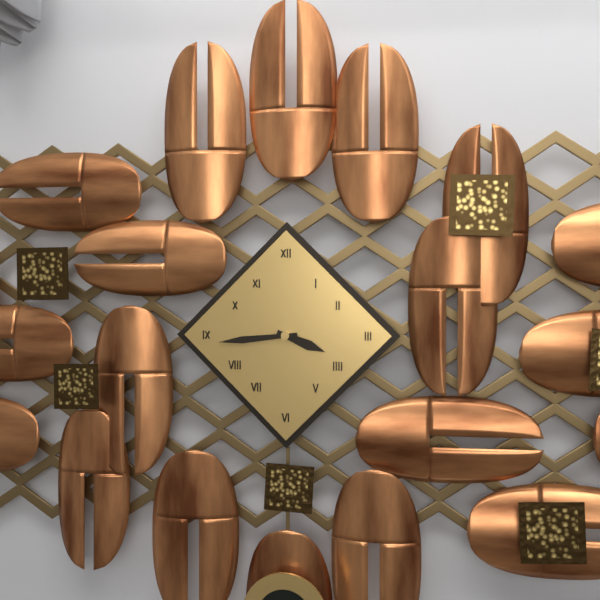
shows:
3,44
